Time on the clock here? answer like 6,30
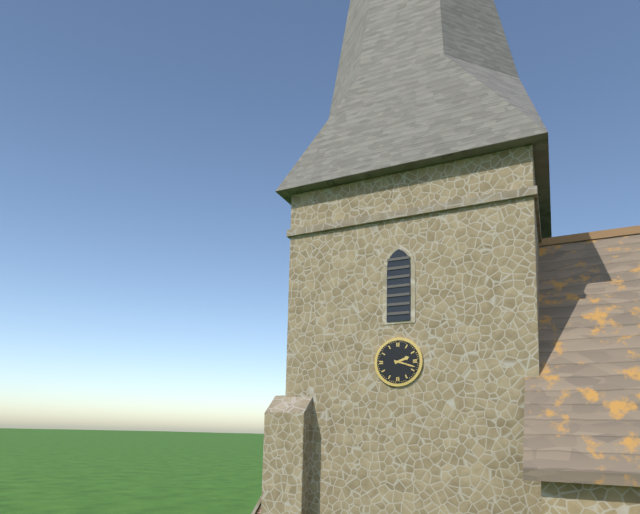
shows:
2,18
